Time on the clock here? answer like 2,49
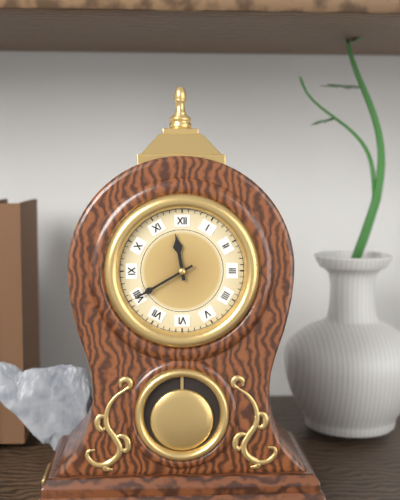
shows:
11,40
